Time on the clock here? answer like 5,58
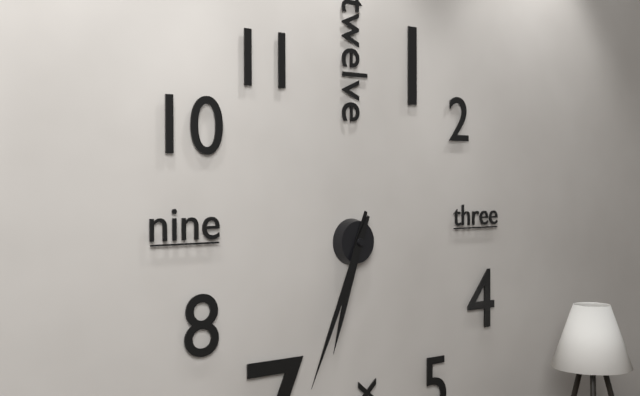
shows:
6,34
